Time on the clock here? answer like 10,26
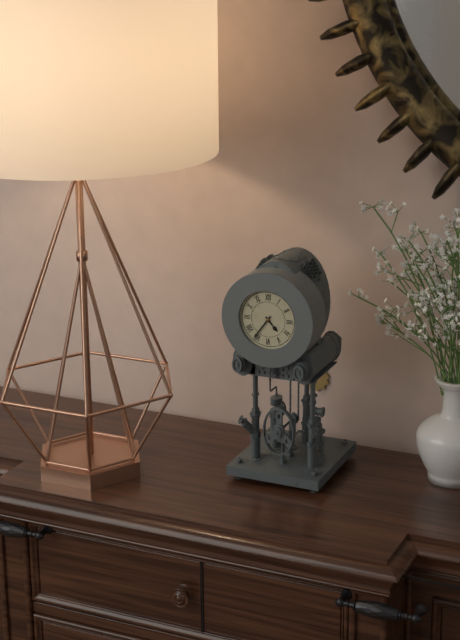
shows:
4,36
